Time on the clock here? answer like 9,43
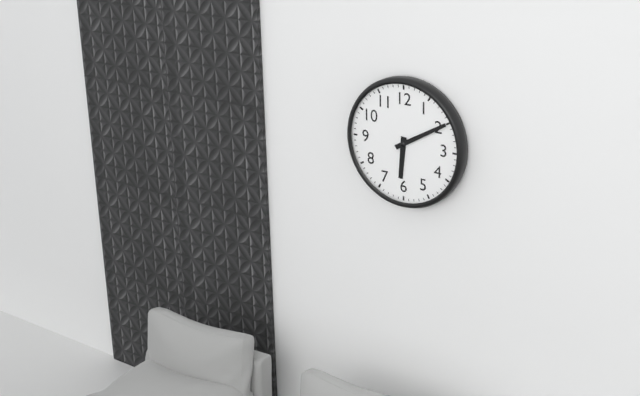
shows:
6,10
